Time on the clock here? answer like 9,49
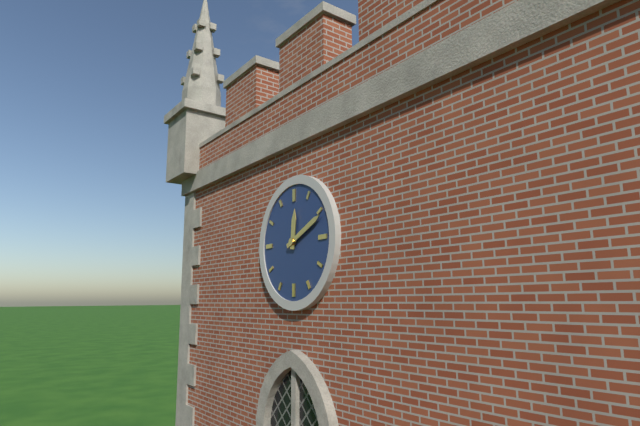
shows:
12,11
